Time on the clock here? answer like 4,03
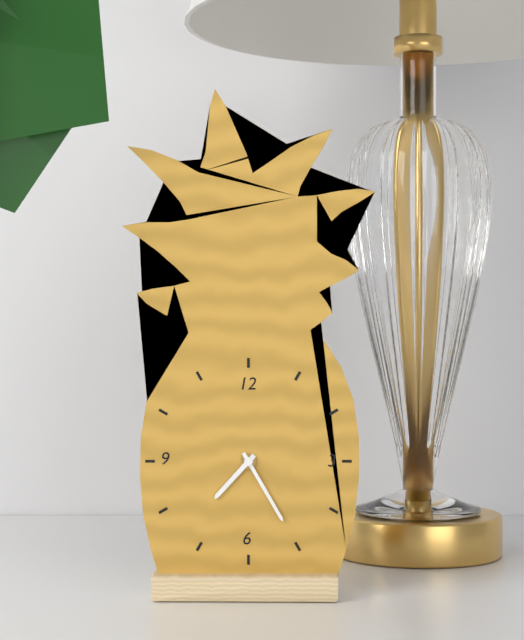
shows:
7,25
